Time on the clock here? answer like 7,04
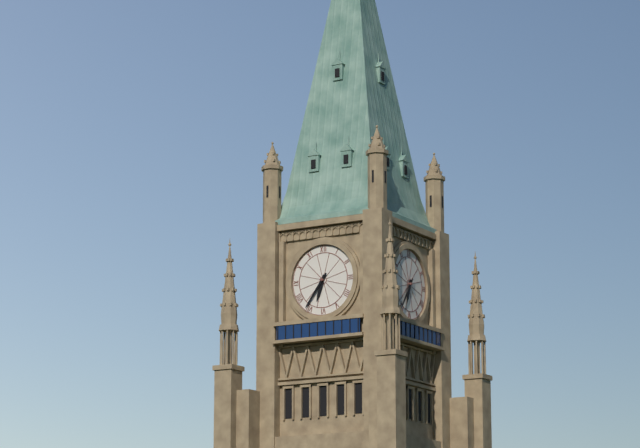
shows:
6,36
